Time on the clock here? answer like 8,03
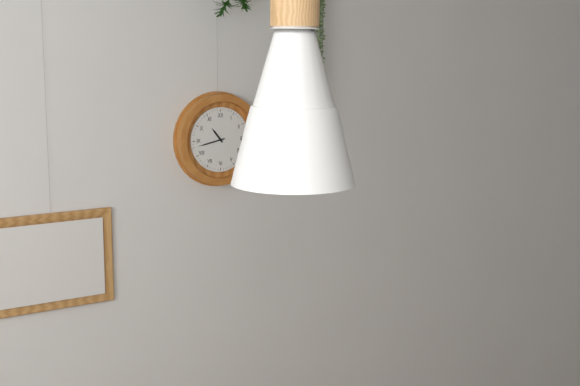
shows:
10,43
